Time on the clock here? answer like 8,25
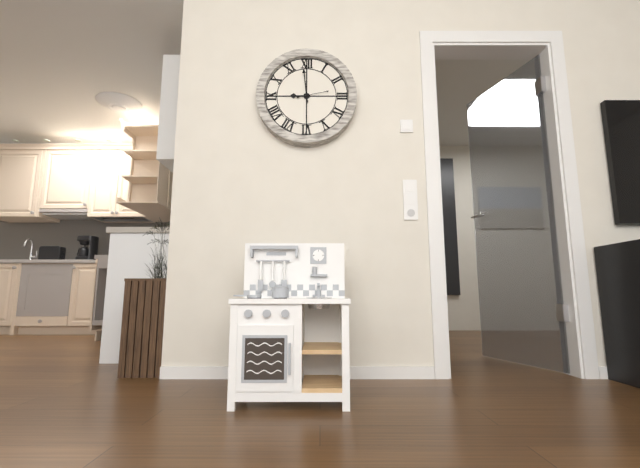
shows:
8,59
